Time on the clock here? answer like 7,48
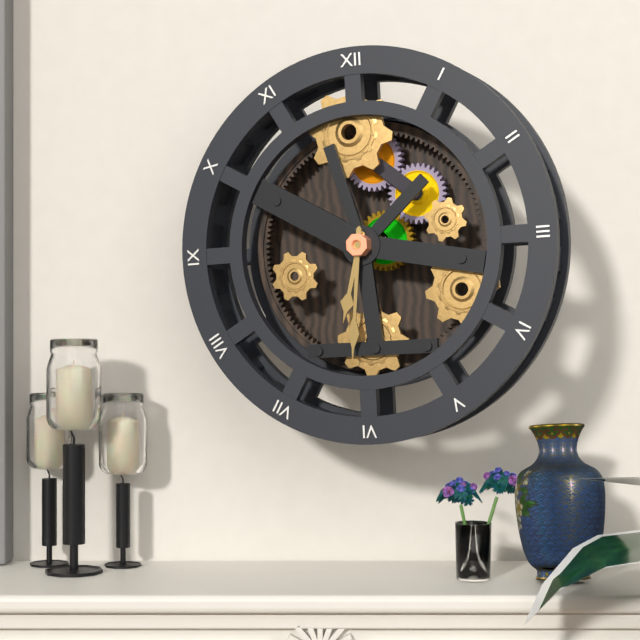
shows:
6,31
